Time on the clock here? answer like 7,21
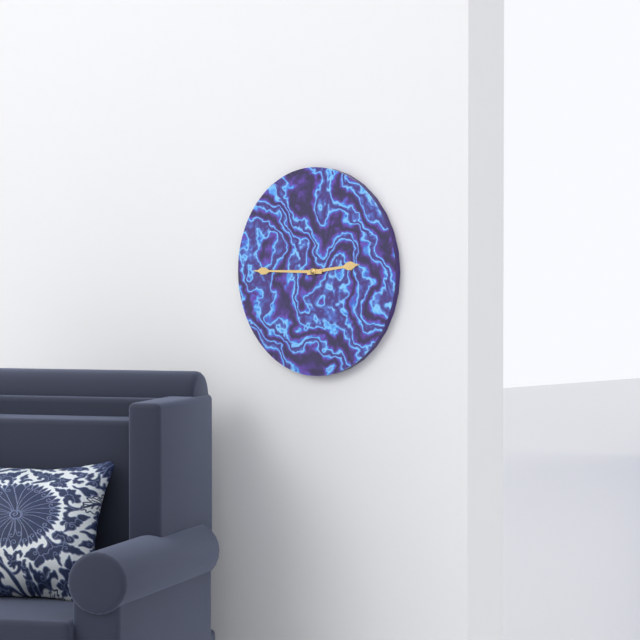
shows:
2,45
